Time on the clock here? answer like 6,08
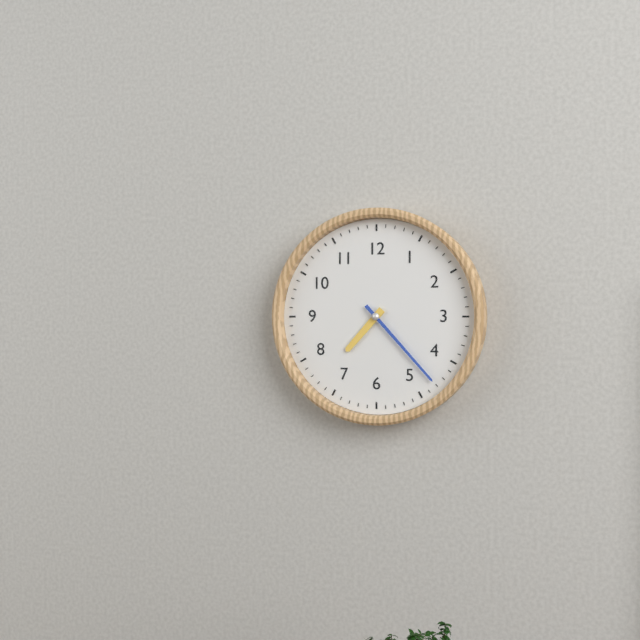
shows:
7,23
